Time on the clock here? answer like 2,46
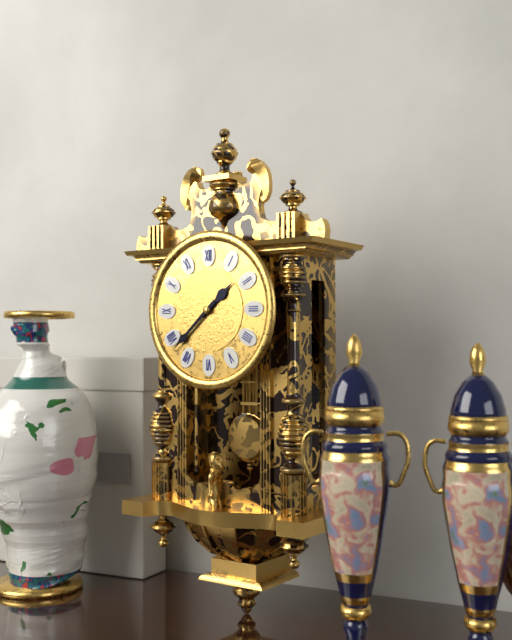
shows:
1,38
